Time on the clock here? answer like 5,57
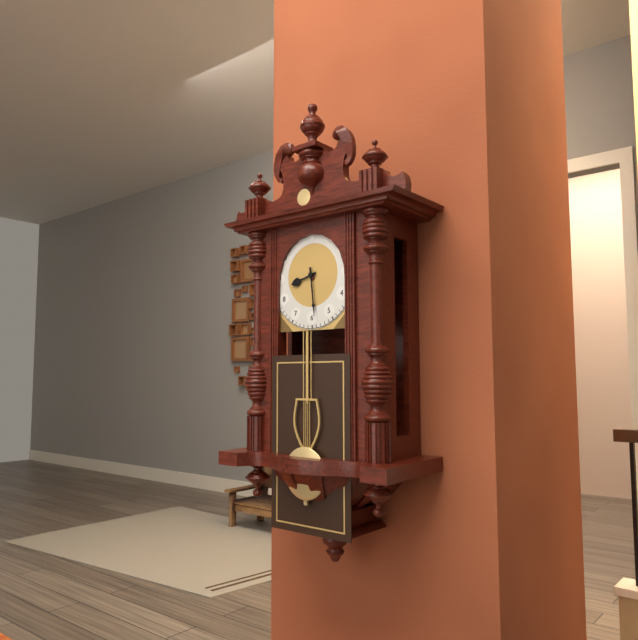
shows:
8,29
